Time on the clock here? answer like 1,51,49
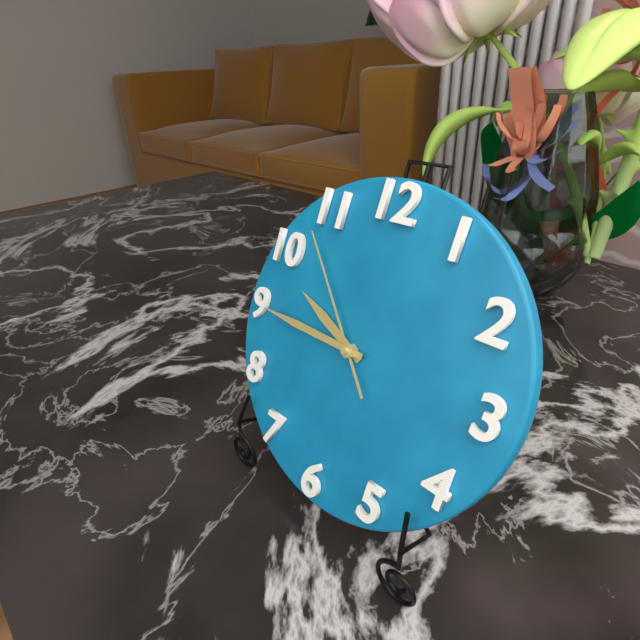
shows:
9,45,53
